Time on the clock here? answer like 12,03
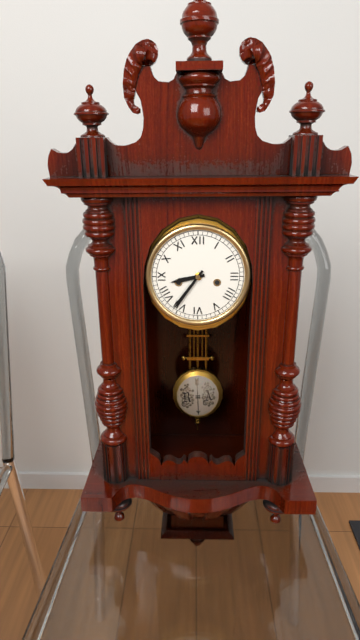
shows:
8,36
